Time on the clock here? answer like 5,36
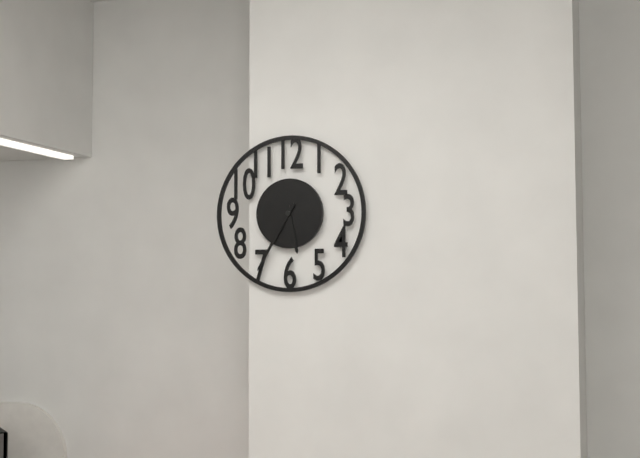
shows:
5,35
